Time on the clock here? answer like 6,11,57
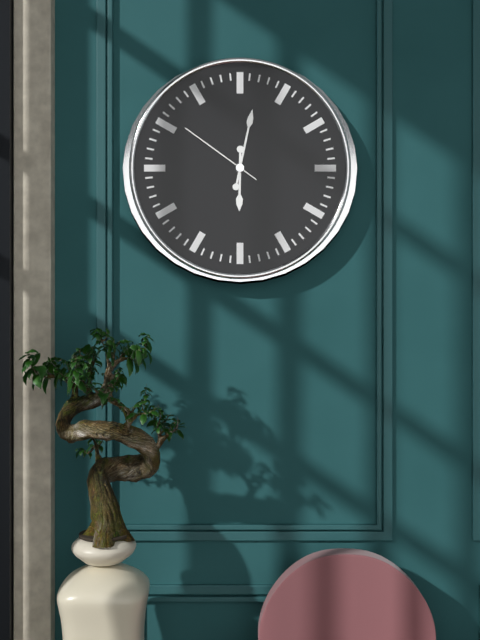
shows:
6,02,51
